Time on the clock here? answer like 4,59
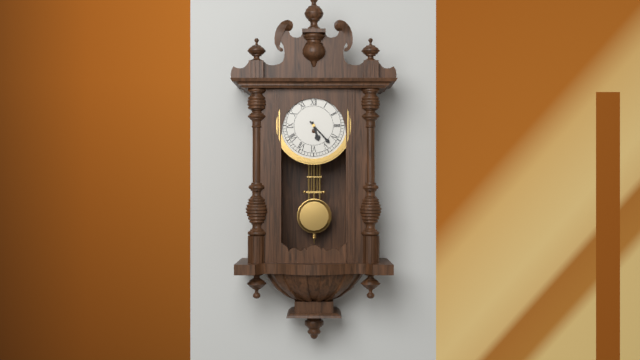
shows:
5,23
